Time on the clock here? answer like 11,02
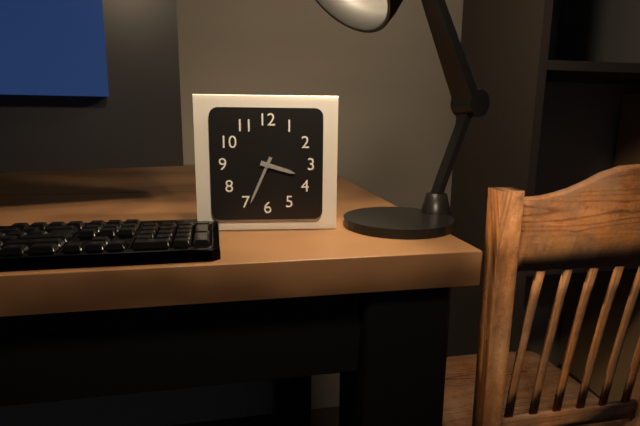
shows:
3,34
